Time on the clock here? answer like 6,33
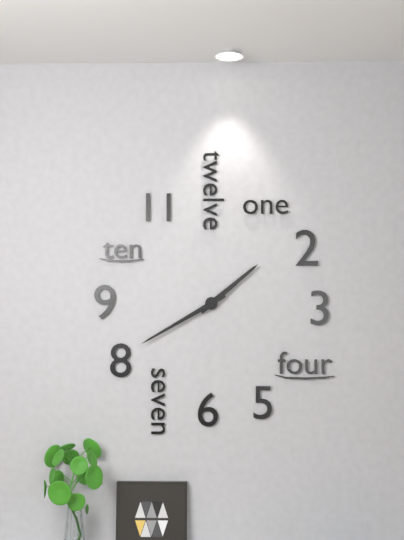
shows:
1,40
